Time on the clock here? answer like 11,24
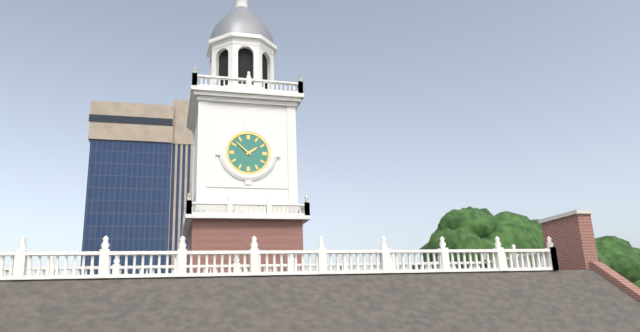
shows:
1,52
